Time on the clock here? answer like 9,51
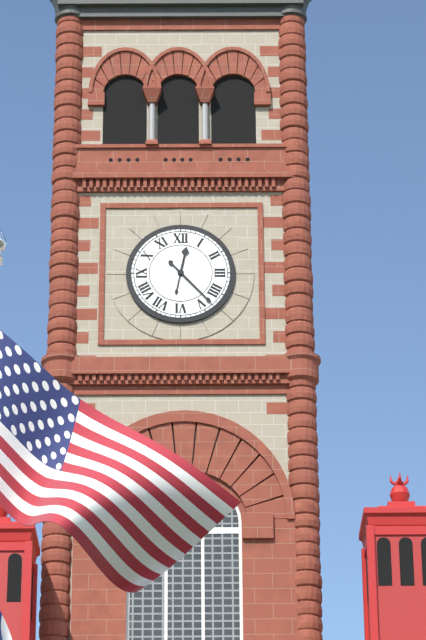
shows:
12,23
